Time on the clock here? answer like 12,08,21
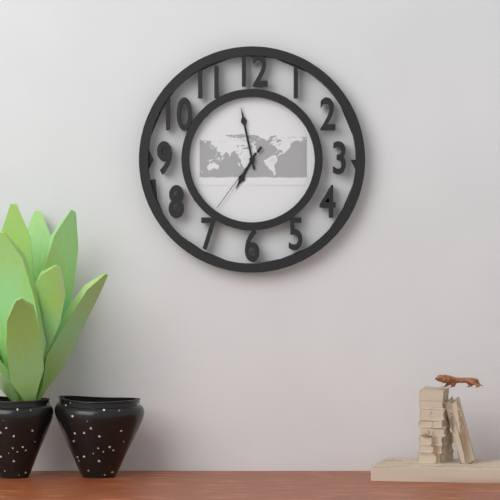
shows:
6,58,36
